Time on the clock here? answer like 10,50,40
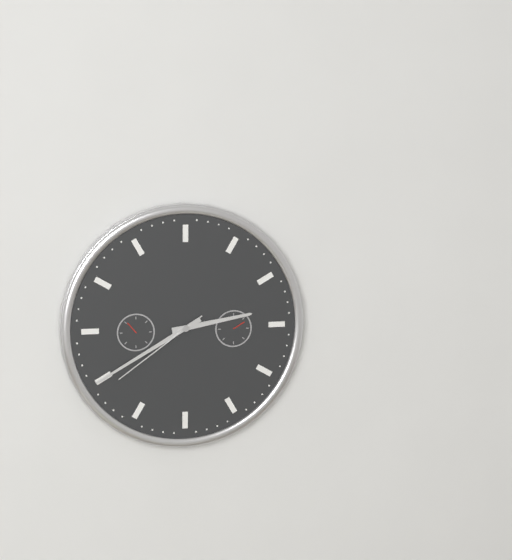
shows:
2,40,39
